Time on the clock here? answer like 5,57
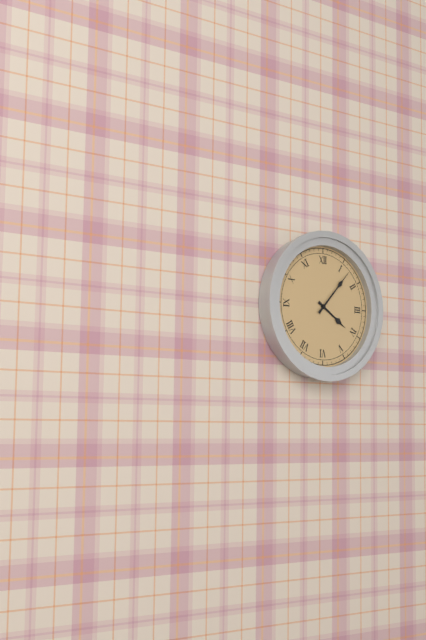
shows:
4,07
